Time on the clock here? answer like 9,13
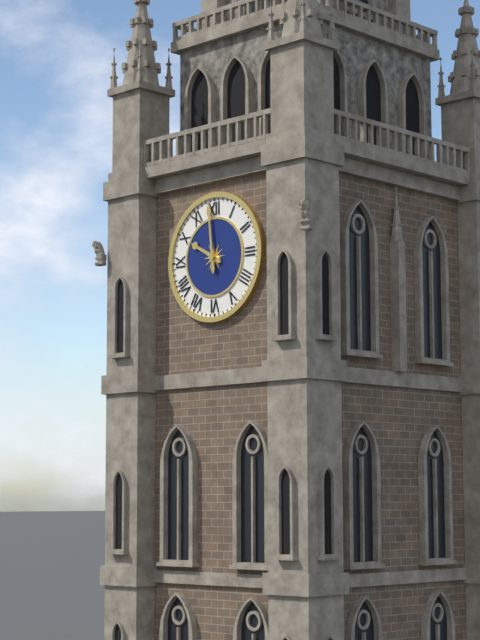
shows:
9,59
